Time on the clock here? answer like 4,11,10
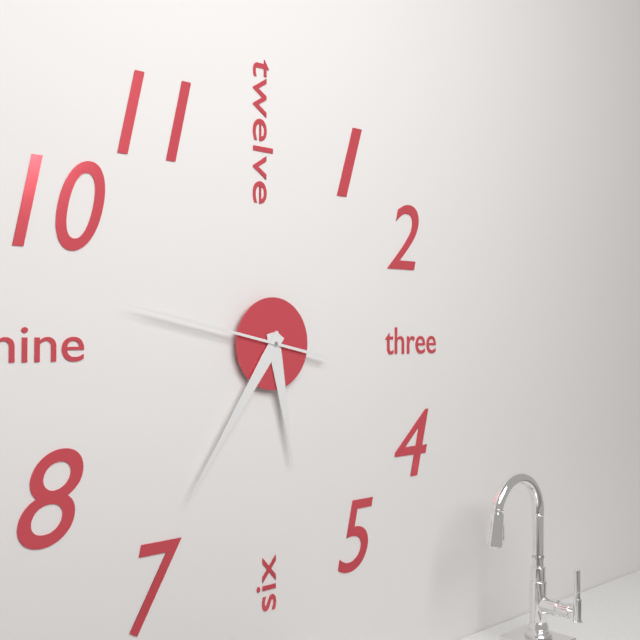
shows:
5,36,47
